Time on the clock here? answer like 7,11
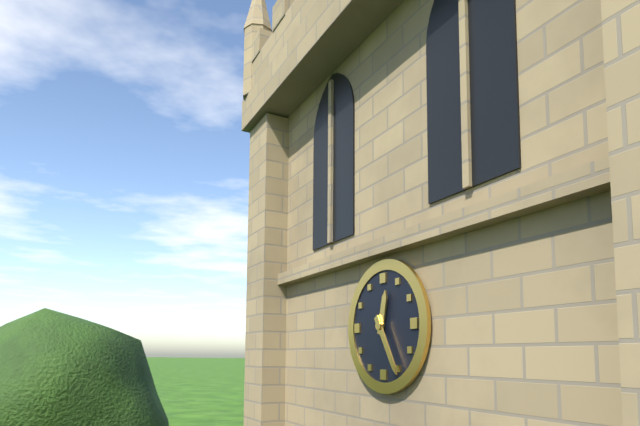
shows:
12,25
